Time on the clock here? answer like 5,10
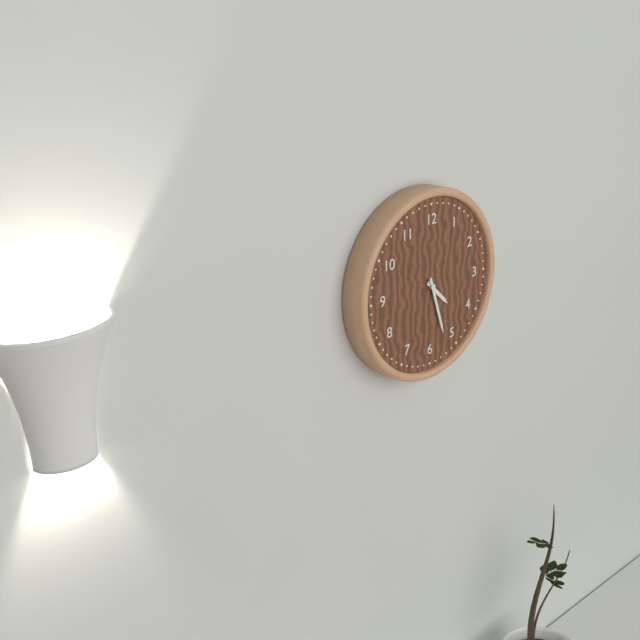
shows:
4,27
